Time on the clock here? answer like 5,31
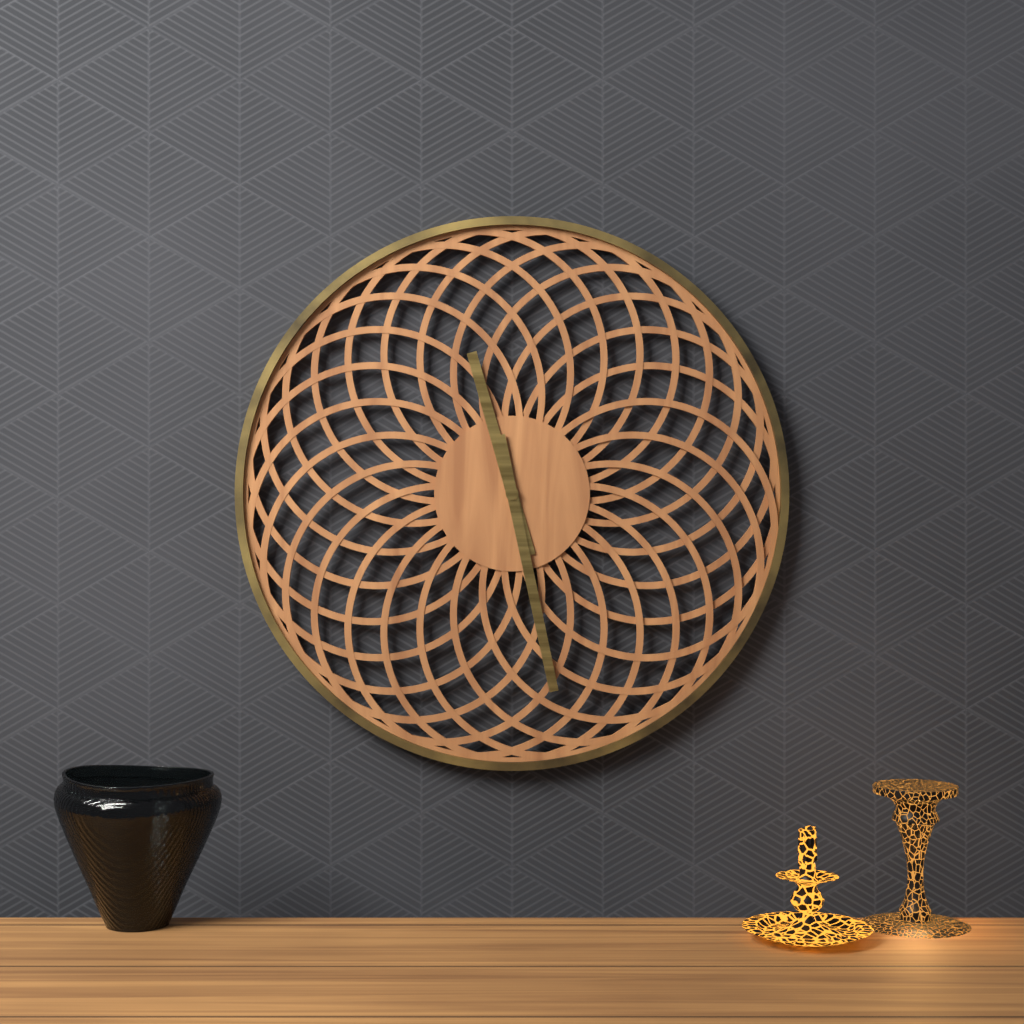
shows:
11,28
